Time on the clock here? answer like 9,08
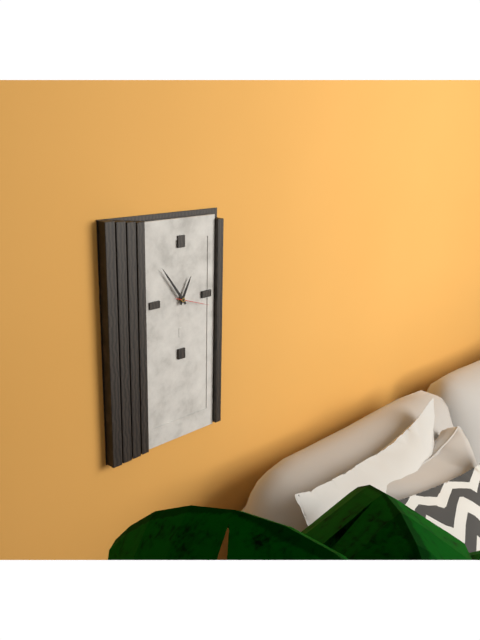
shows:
12,54
